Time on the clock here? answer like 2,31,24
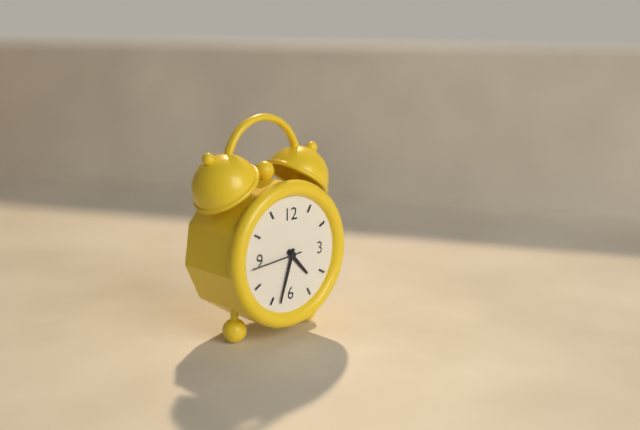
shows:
4,33,44
